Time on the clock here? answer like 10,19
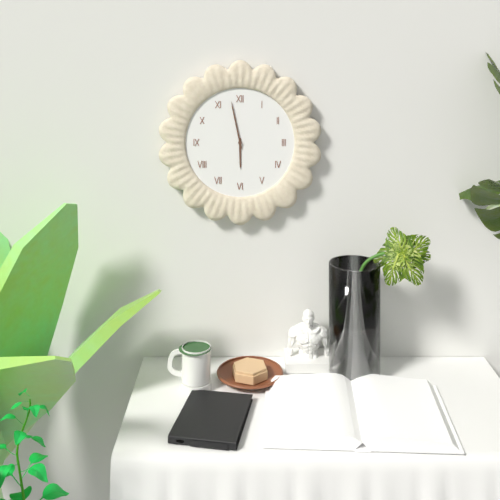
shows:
5,58
